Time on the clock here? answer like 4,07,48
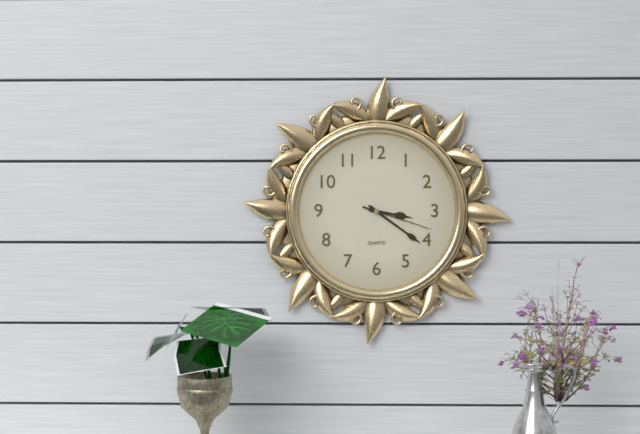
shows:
3,21,18
